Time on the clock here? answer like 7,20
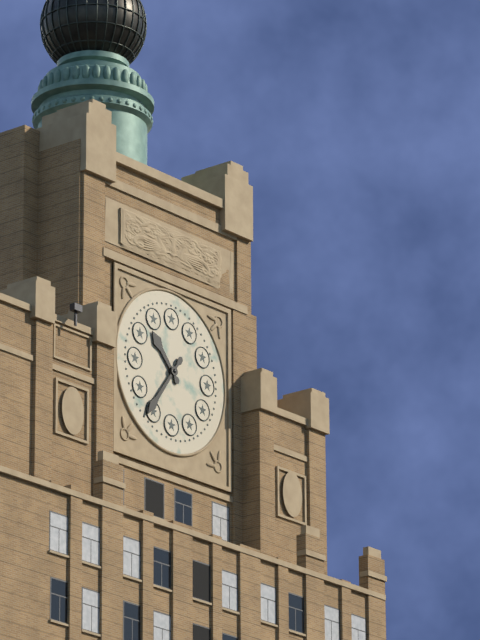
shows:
10,36
